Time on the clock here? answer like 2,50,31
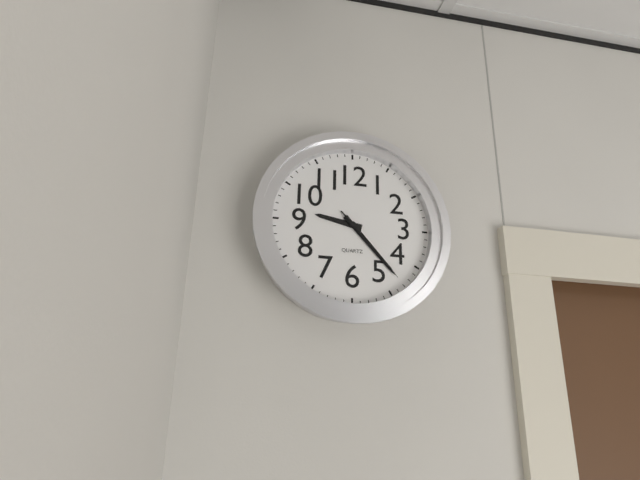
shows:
9,23,23
